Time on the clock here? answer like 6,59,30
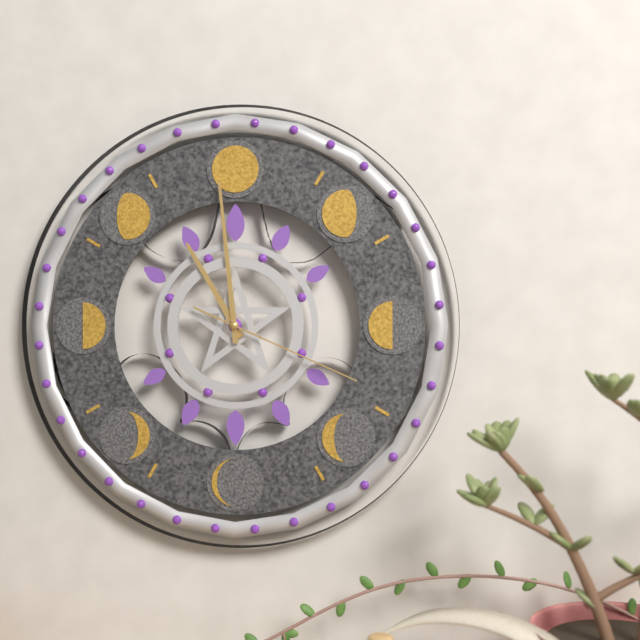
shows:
10,59,19
